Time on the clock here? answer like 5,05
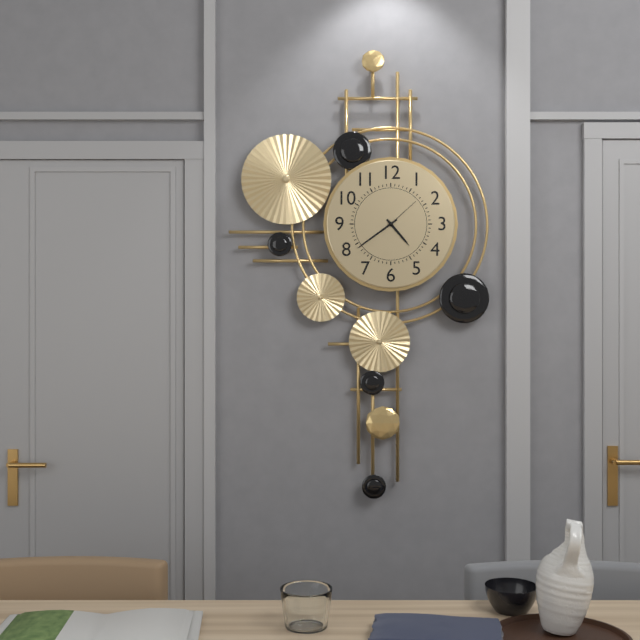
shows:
4,39
